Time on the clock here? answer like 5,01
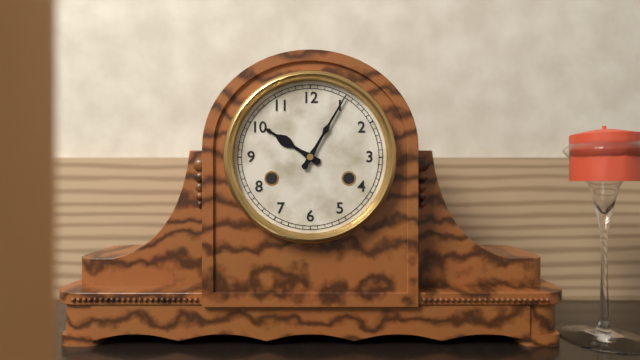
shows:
10,05
